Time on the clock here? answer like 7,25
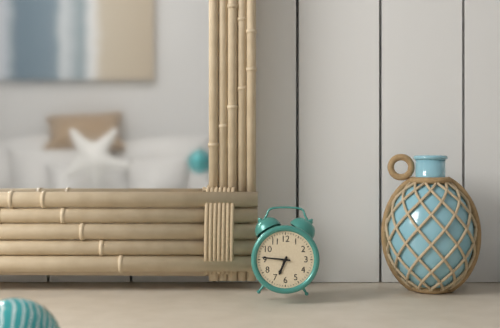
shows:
6,46
